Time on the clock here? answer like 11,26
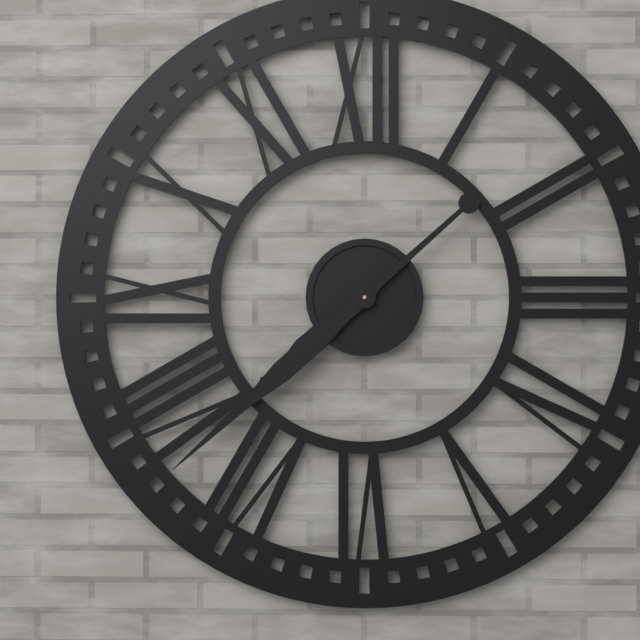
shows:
7,38
